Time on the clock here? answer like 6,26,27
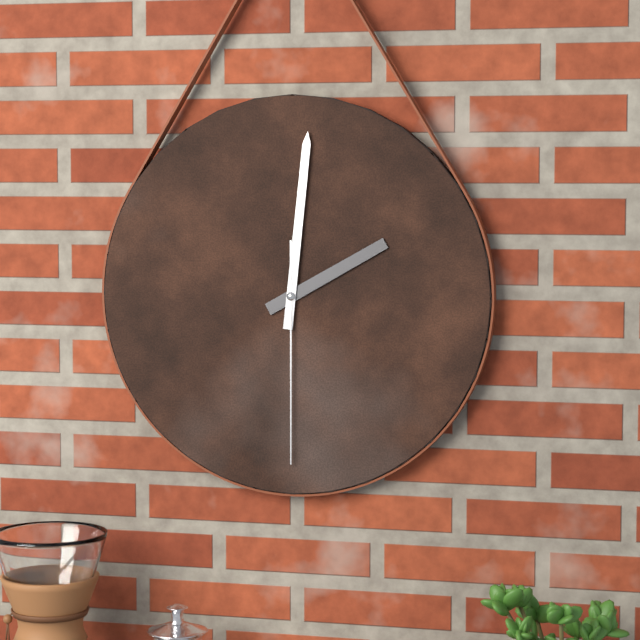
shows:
2,01,30
